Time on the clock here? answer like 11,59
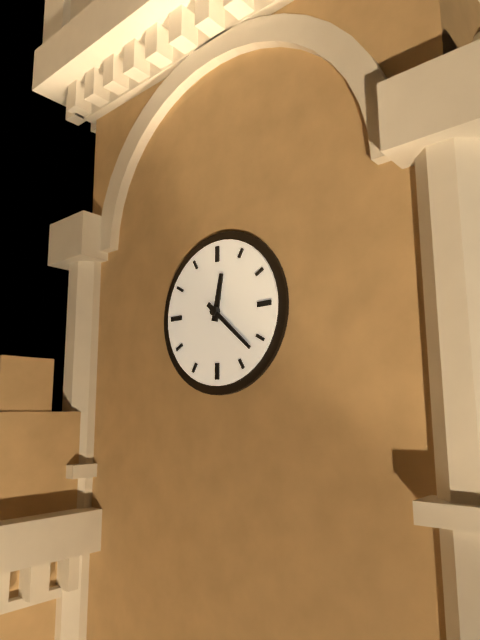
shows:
12,22
